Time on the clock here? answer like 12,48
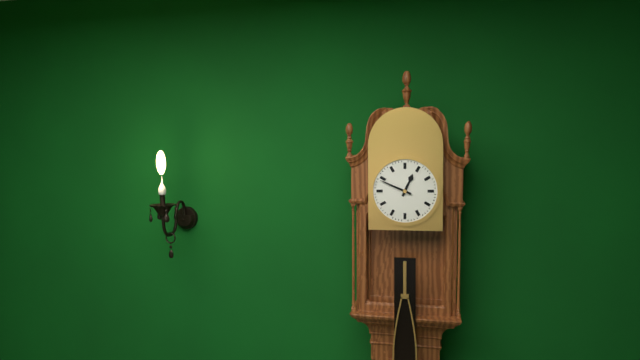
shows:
12,49
